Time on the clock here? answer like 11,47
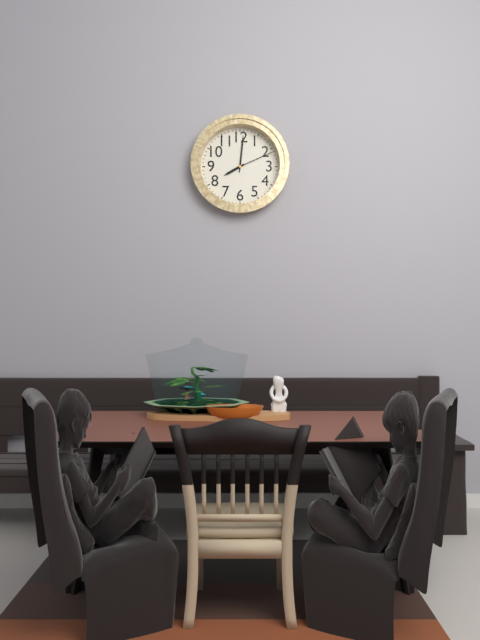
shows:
8,01
